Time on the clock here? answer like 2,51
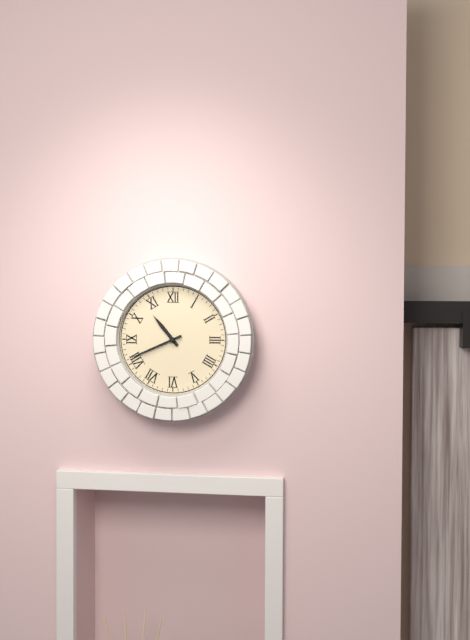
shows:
10,41
